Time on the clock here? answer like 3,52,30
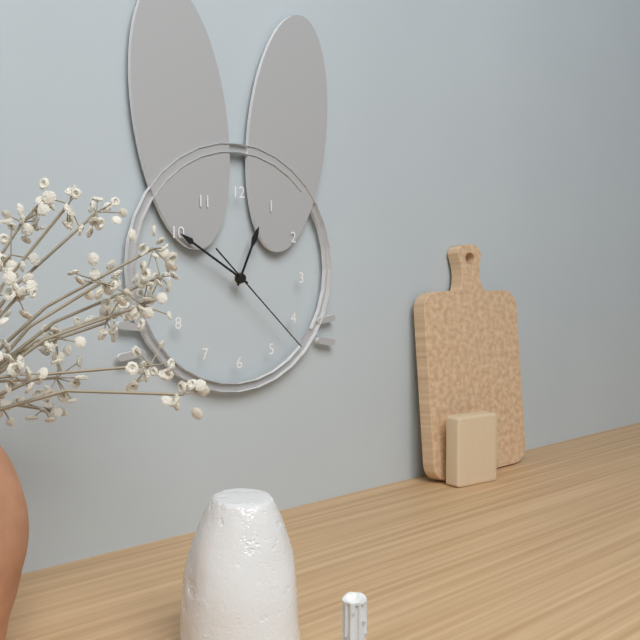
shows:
12,50,22
